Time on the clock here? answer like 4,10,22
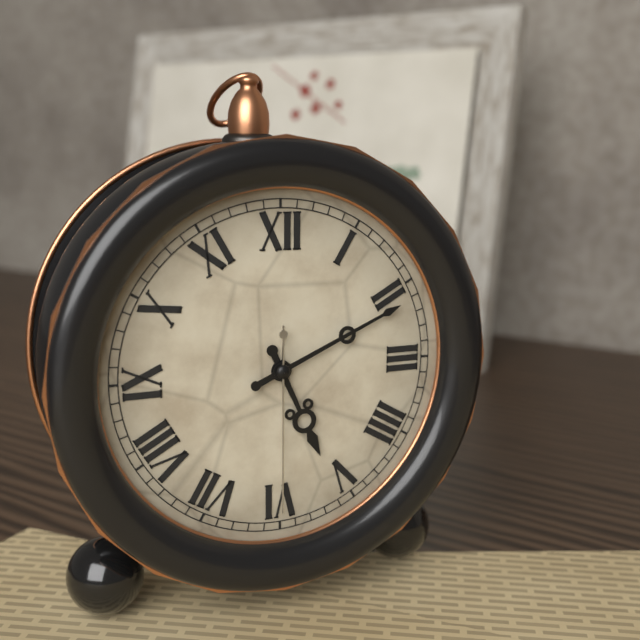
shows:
5,11,30
